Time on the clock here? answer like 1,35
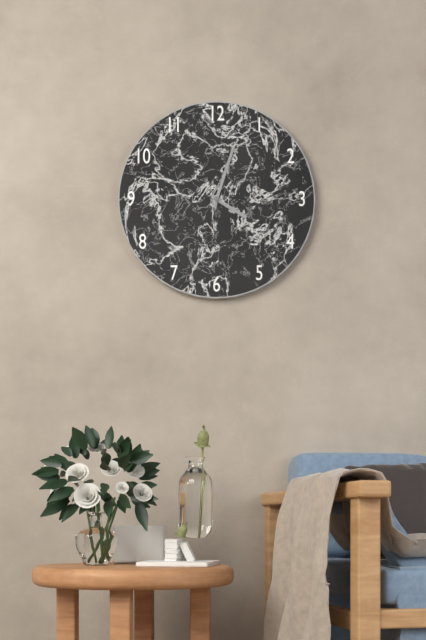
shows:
4,03
